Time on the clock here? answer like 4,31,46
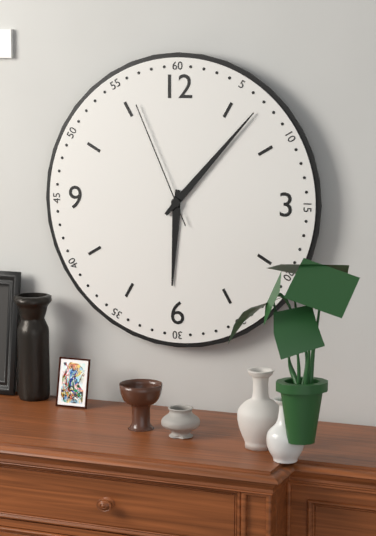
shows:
6,07,56
